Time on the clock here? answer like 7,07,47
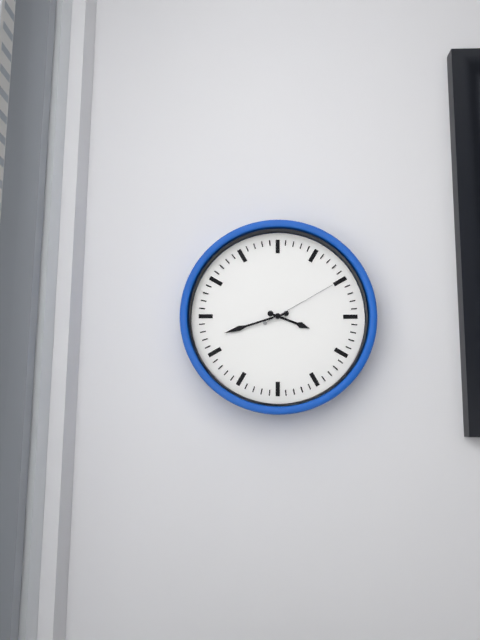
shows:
3,42,10
